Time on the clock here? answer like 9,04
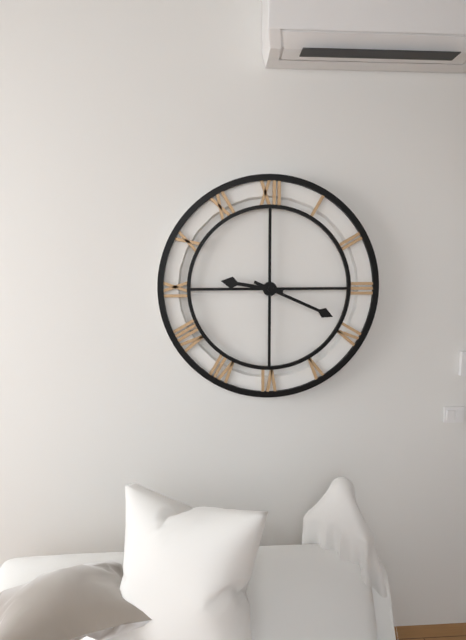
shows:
9,19
